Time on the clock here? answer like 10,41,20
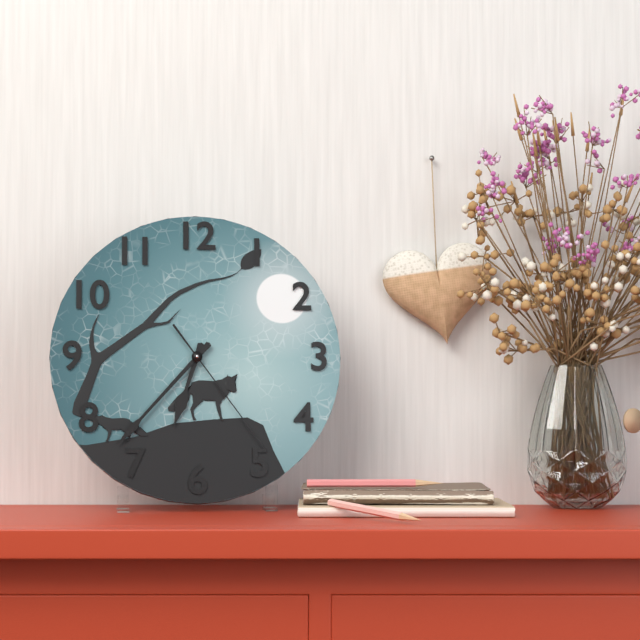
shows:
6,37,24
